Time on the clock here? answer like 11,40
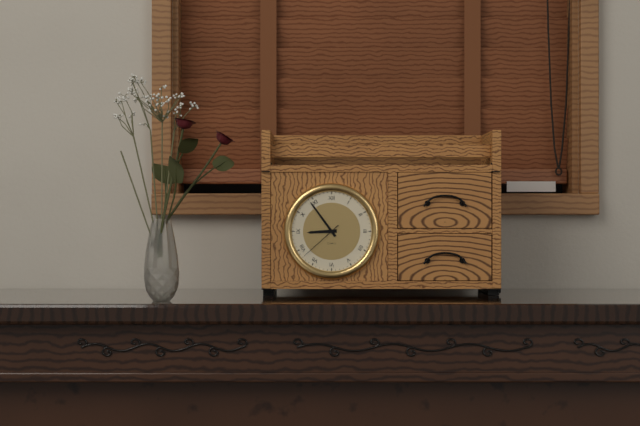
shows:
8,54
